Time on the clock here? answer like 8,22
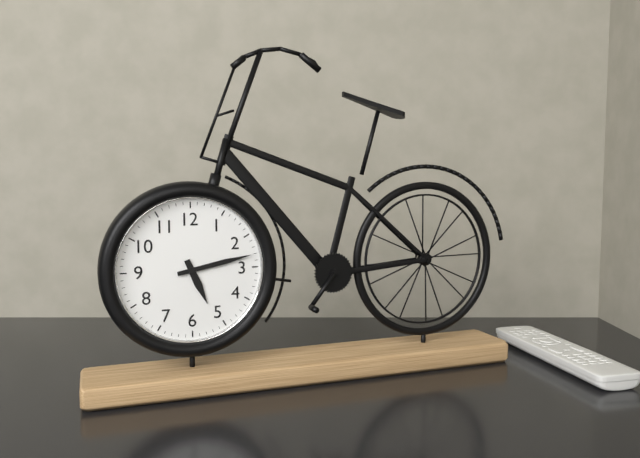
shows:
5,13
